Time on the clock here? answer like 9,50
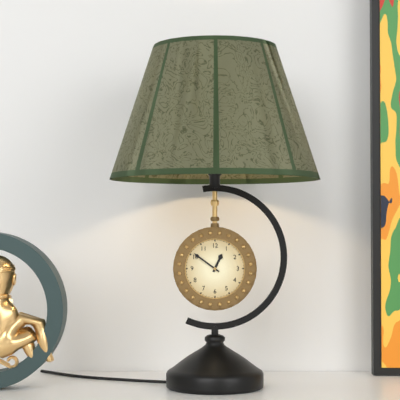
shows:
12,51
